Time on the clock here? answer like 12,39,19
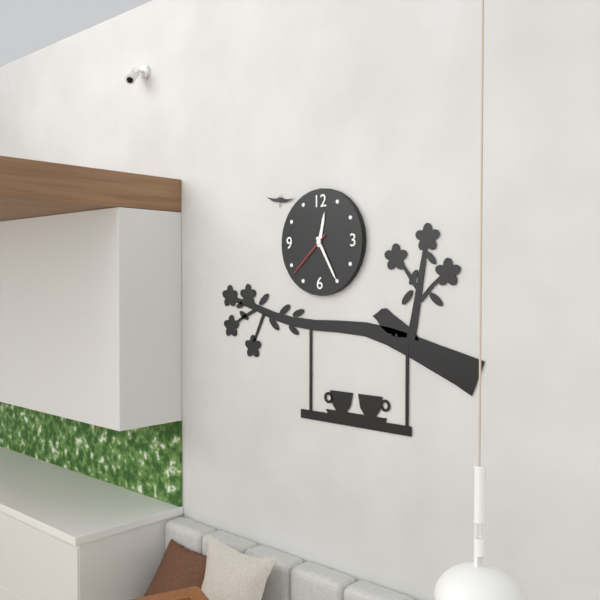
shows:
12,25,38
